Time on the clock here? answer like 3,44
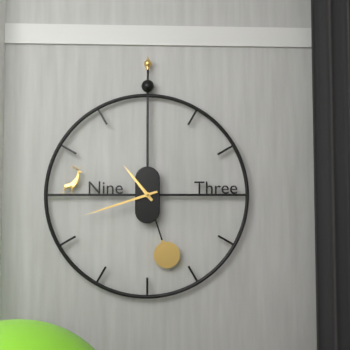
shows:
10,42
